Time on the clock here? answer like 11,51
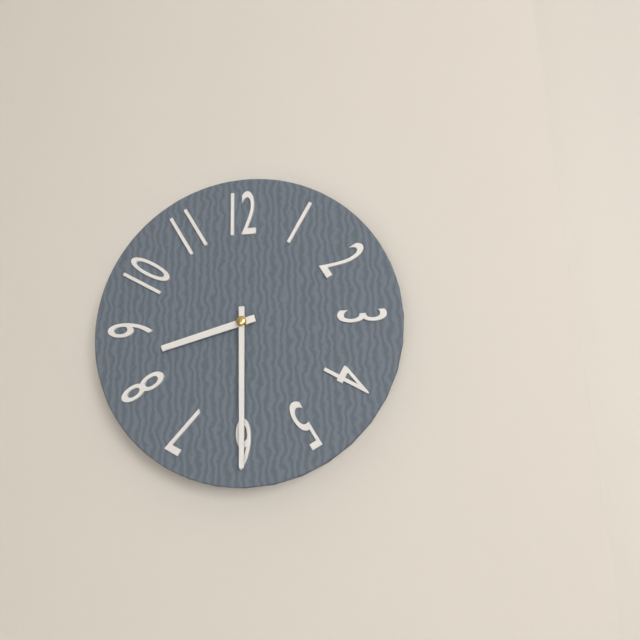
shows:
8,30
